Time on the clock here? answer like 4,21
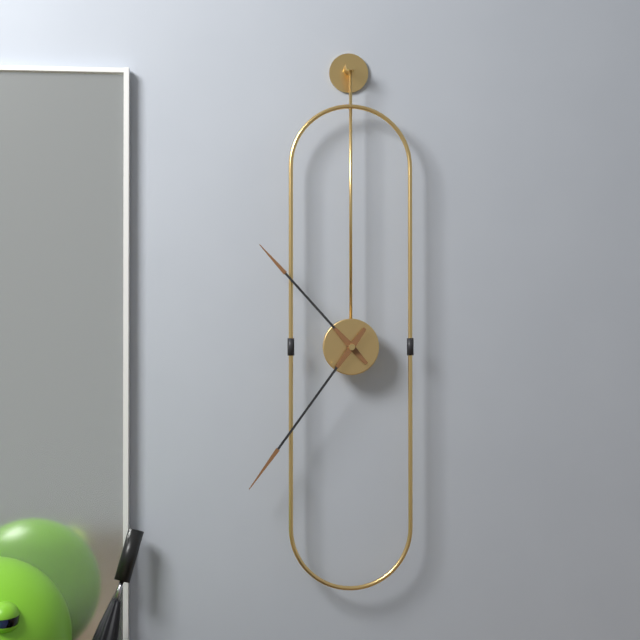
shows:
10,36
